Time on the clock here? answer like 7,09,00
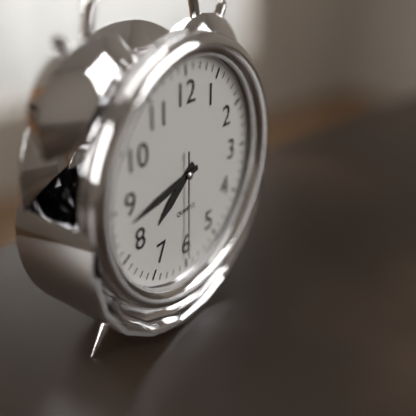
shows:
7,43,30
